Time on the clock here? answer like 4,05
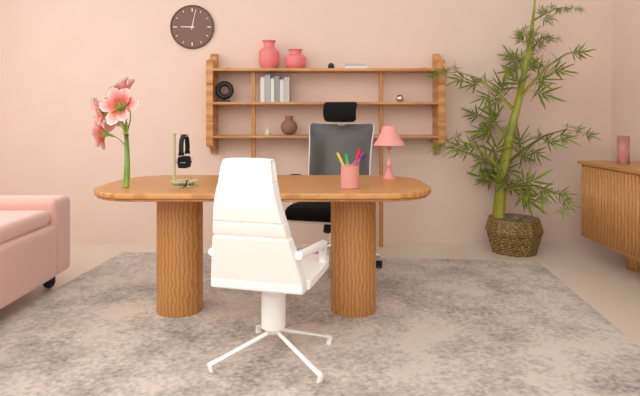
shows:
9,02
